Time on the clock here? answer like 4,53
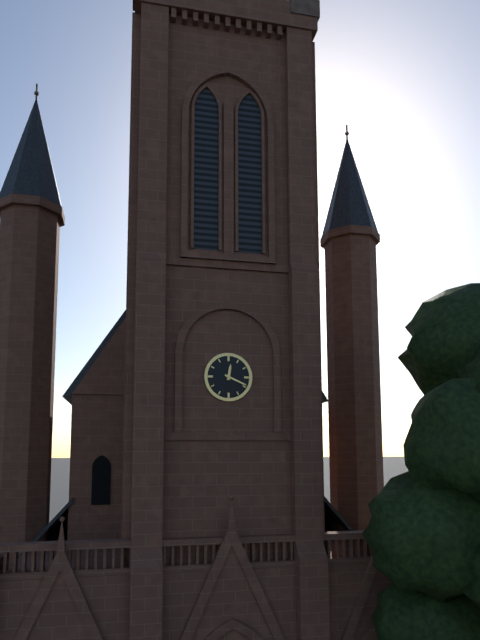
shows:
12,19
